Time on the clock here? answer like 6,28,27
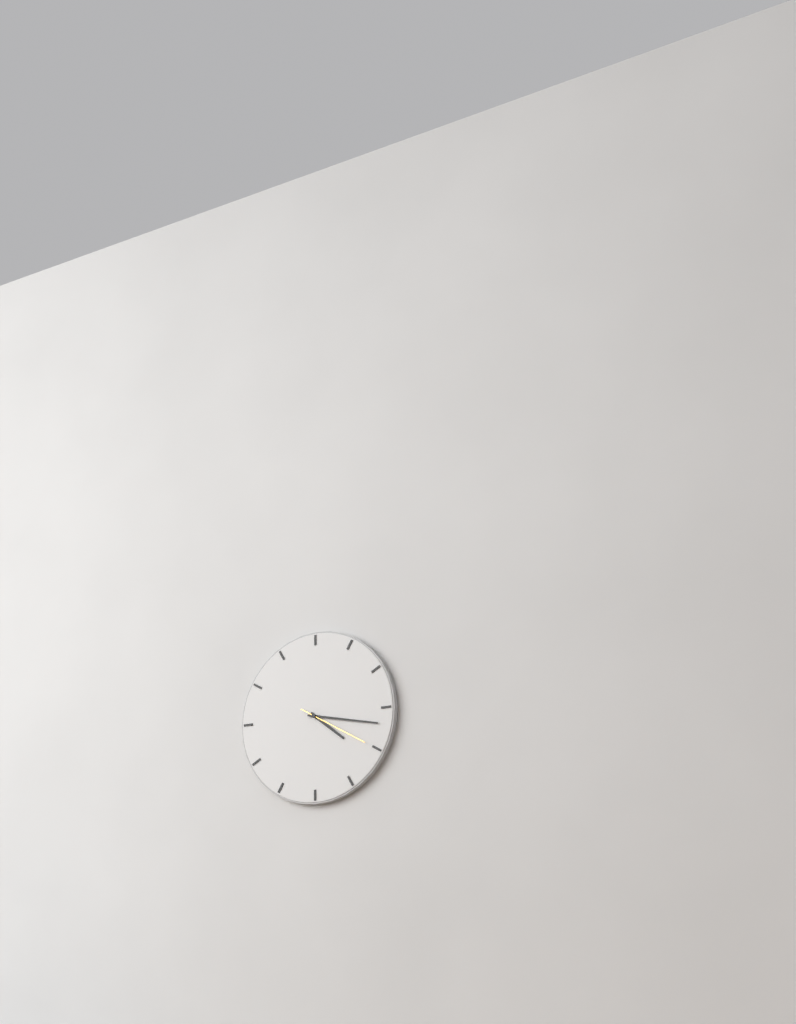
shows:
4,17,20
